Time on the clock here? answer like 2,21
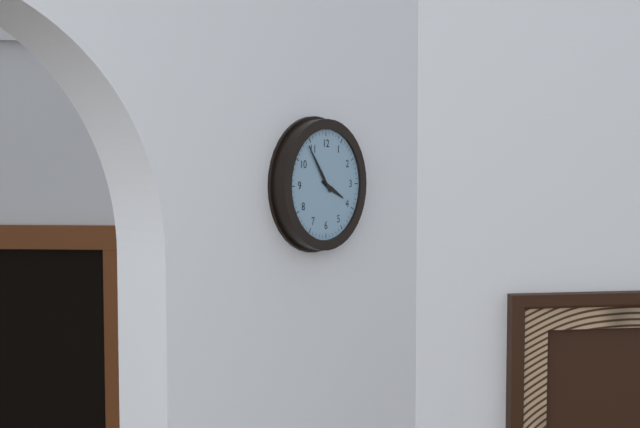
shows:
3,54
